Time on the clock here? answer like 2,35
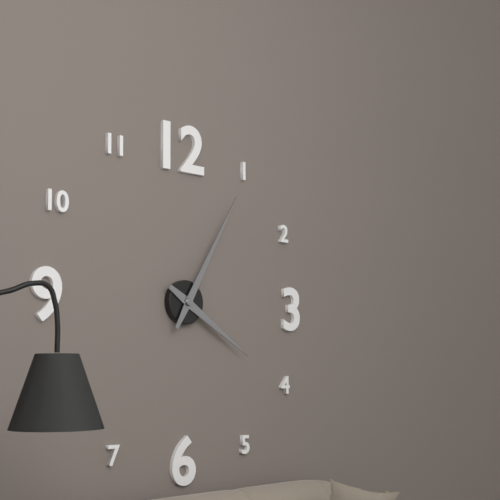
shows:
4,05
